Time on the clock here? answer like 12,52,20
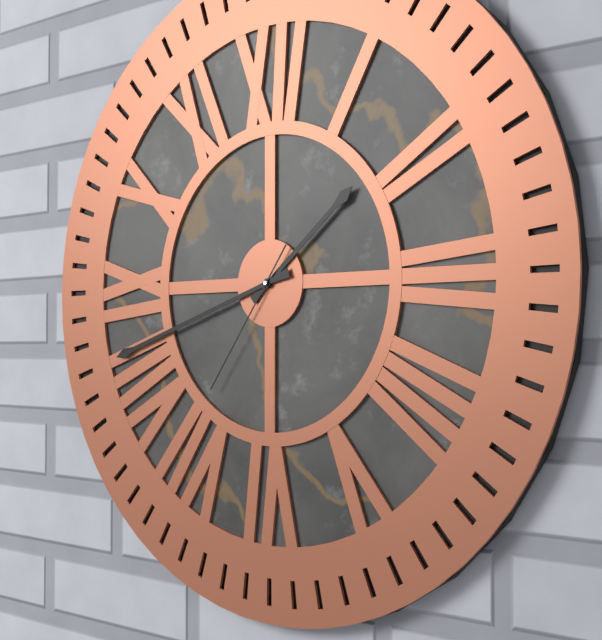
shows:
1,42,36
